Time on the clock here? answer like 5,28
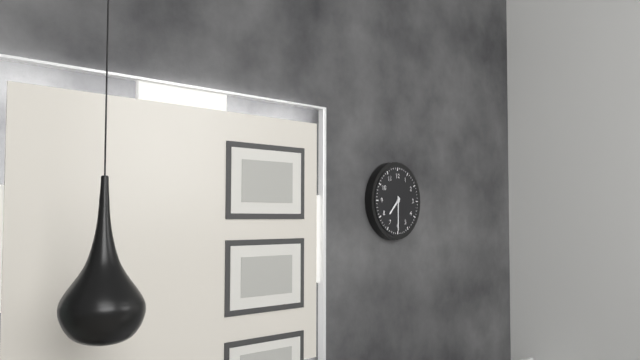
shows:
7,30
